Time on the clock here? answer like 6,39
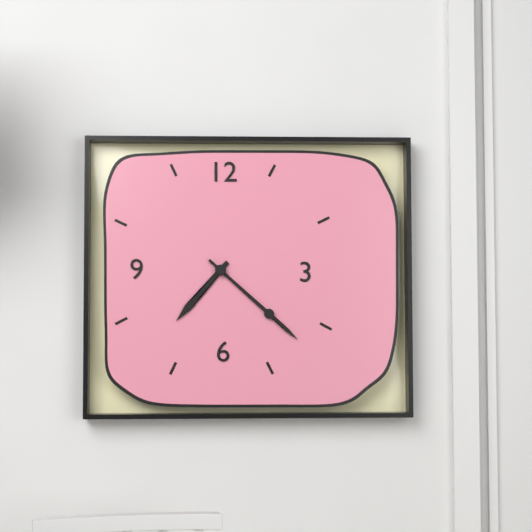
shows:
7,22
